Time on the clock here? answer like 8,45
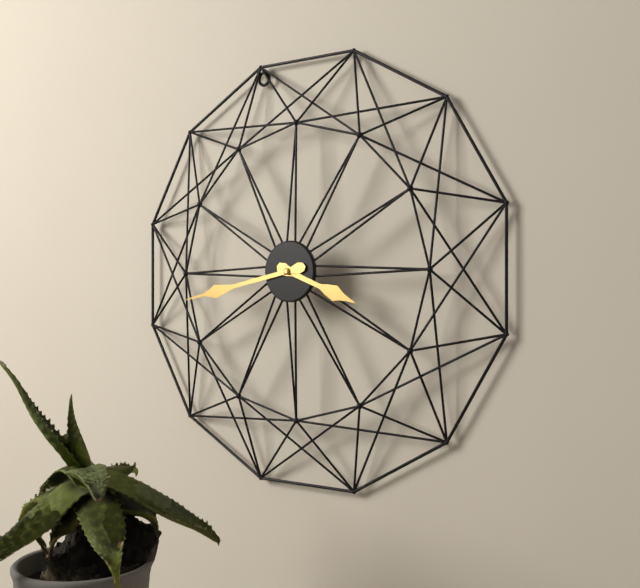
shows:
3,43
